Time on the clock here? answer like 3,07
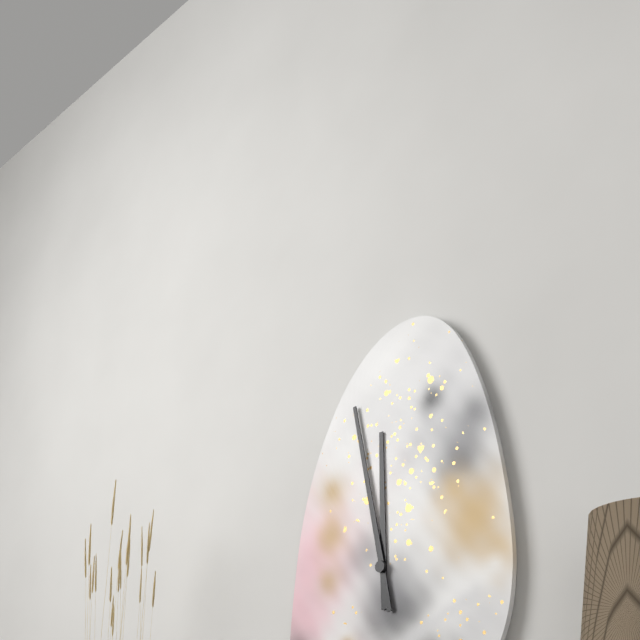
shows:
11,58
